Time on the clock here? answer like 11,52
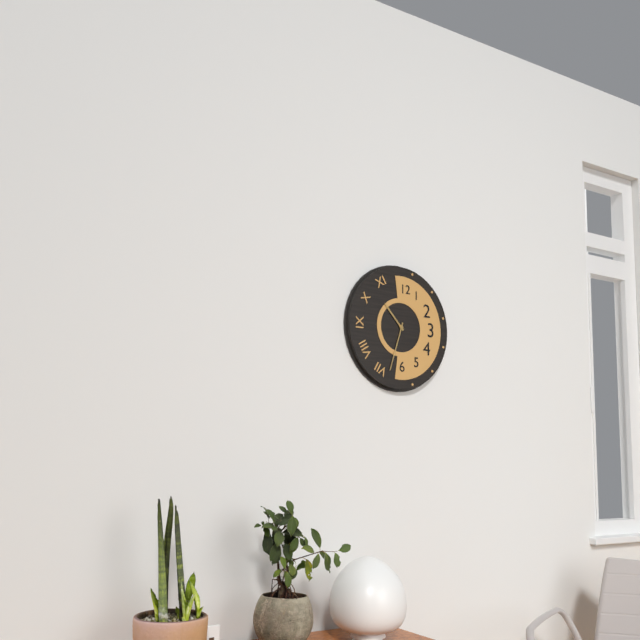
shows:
10,33
